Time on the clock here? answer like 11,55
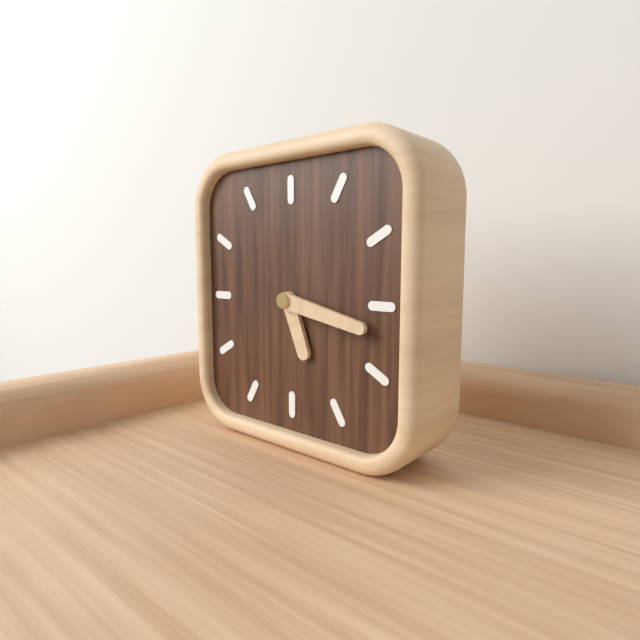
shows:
5,17
